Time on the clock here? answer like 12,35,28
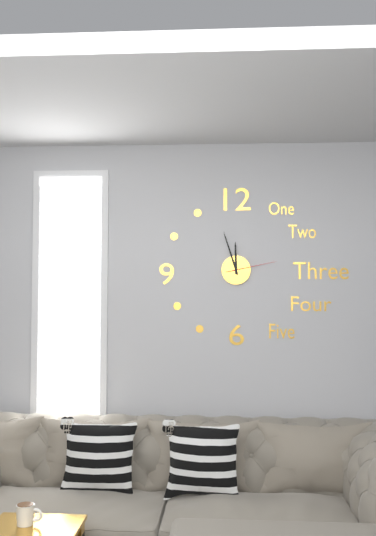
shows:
11,57,13
